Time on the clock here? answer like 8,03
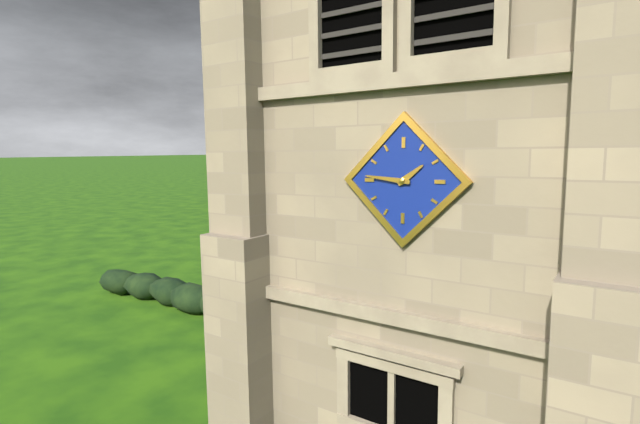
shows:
1,46
